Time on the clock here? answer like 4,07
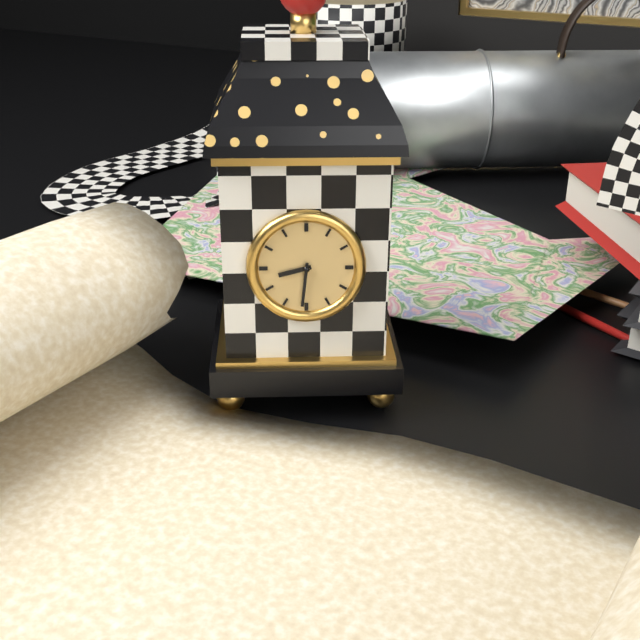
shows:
8,31
